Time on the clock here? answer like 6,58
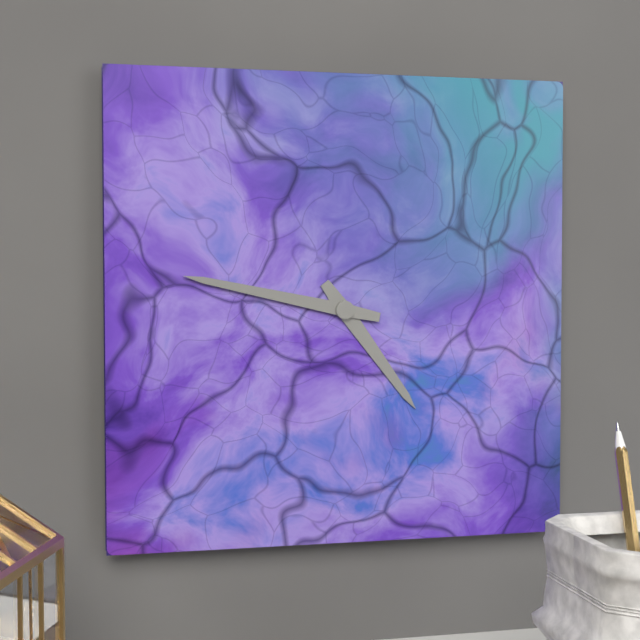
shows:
4,47
